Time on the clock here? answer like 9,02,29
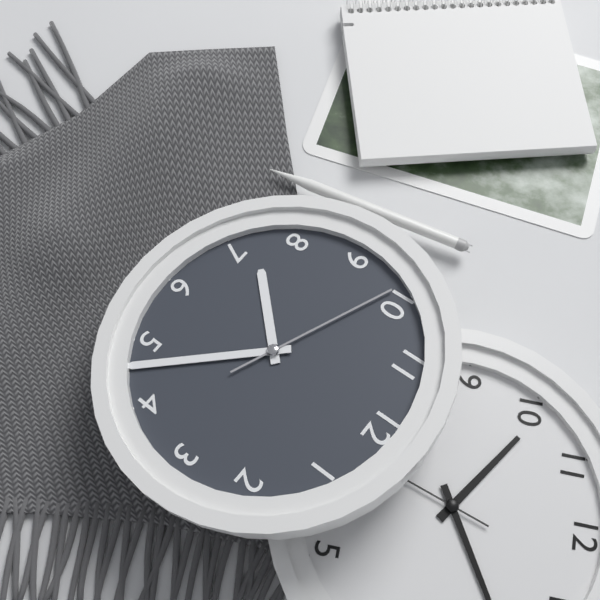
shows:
7,23,49
